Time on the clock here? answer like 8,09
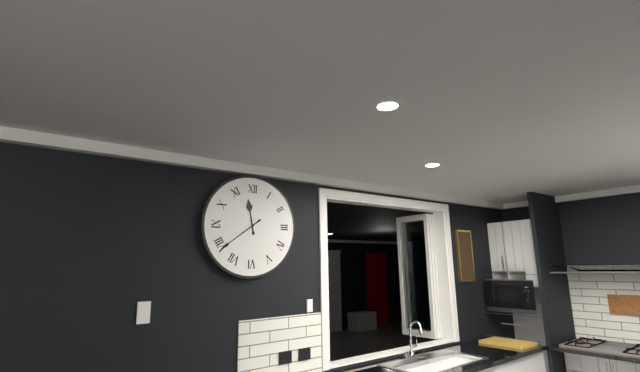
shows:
11,39
